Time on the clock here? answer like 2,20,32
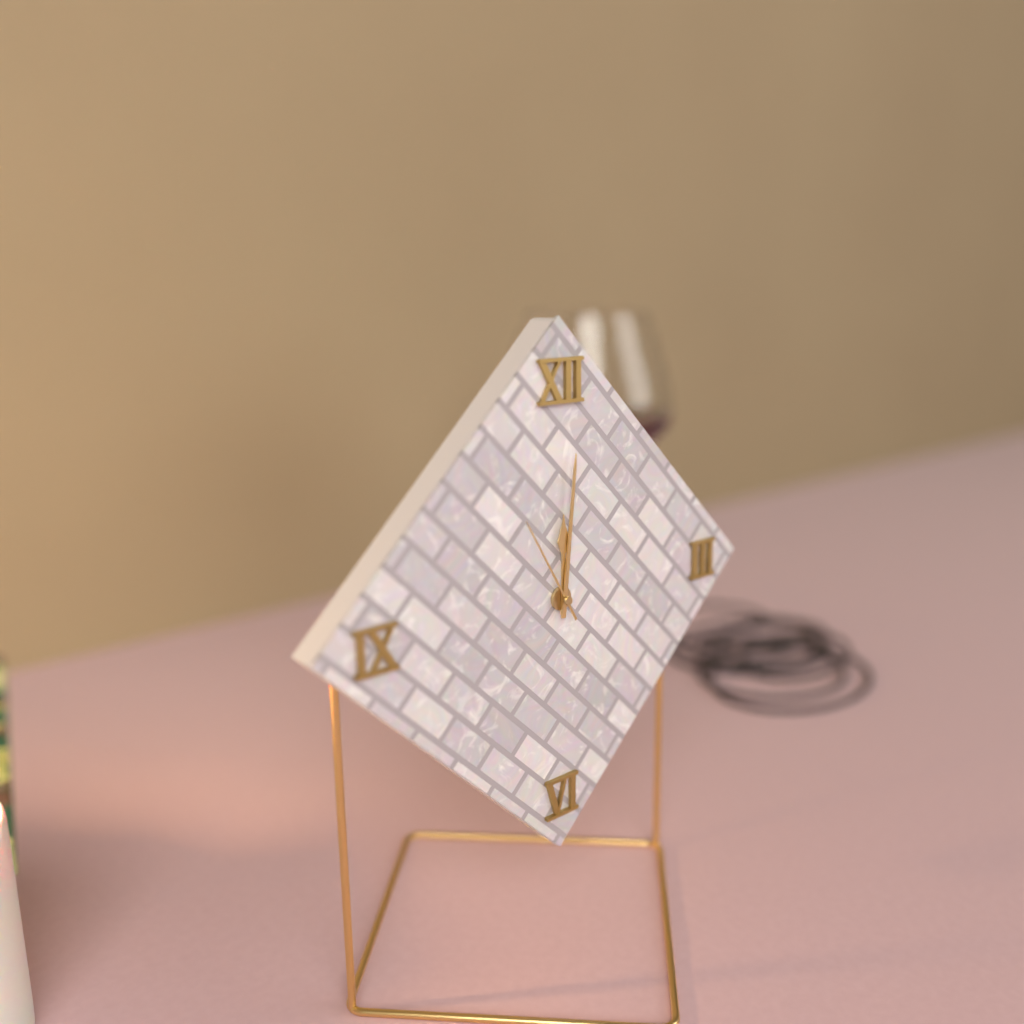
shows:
12,01,55
